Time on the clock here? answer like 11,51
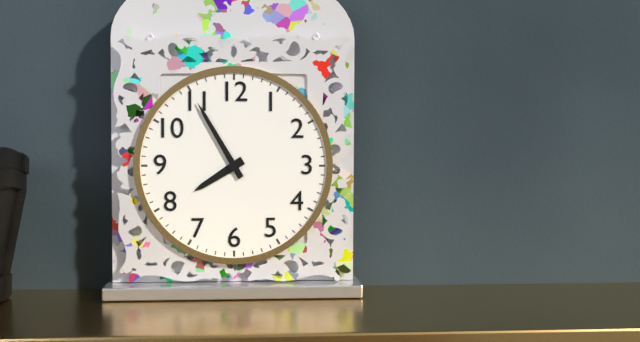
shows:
7,55
